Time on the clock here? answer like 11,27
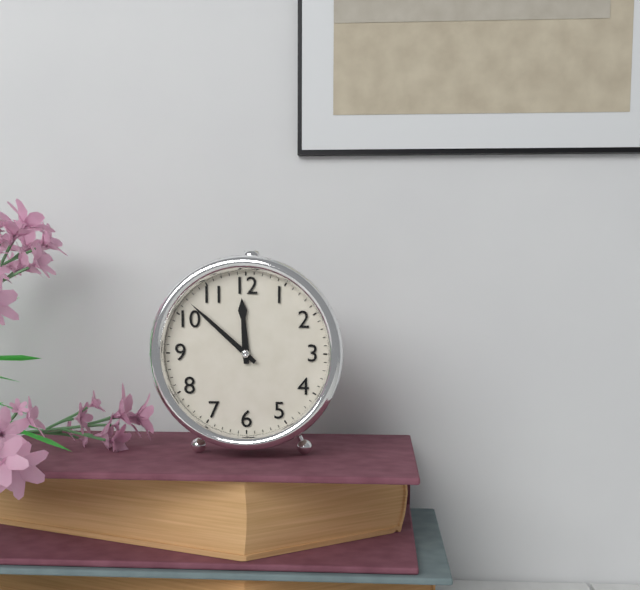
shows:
11,52
